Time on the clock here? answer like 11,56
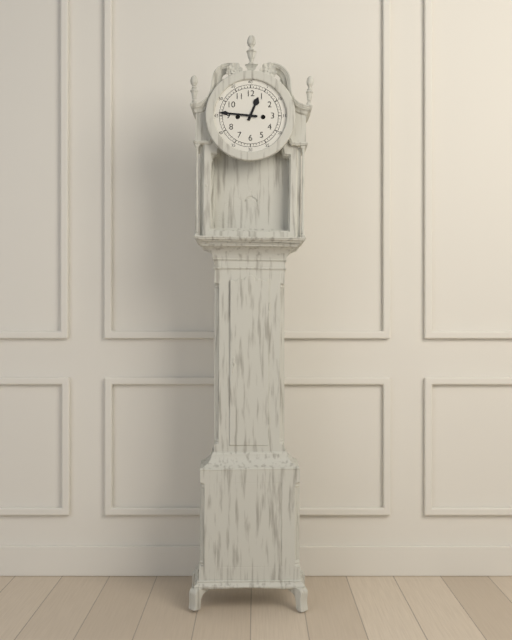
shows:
12,46
